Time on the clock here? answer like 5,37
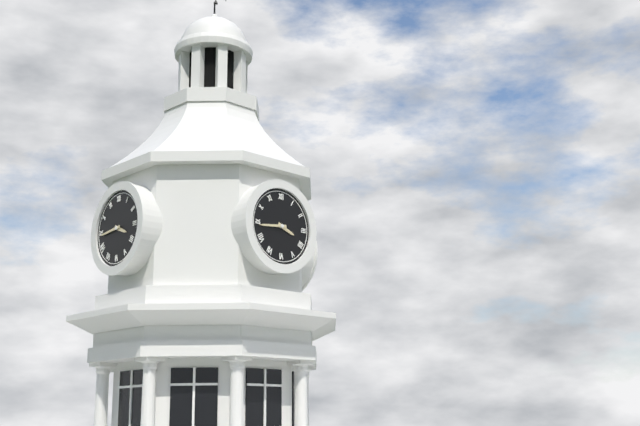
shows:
3,44
